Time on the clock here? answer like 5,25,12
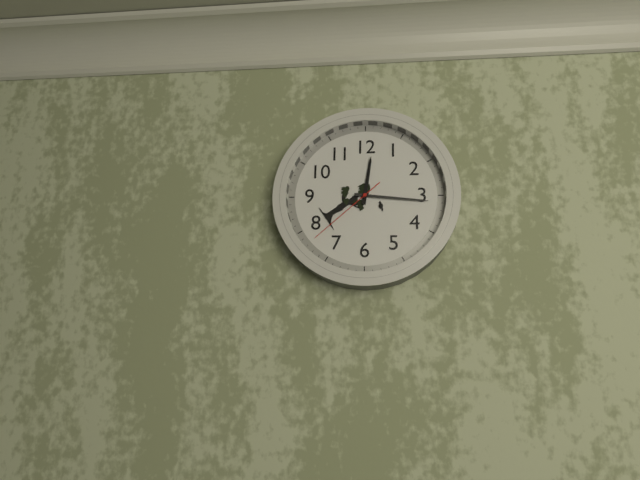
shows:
12,16,38
